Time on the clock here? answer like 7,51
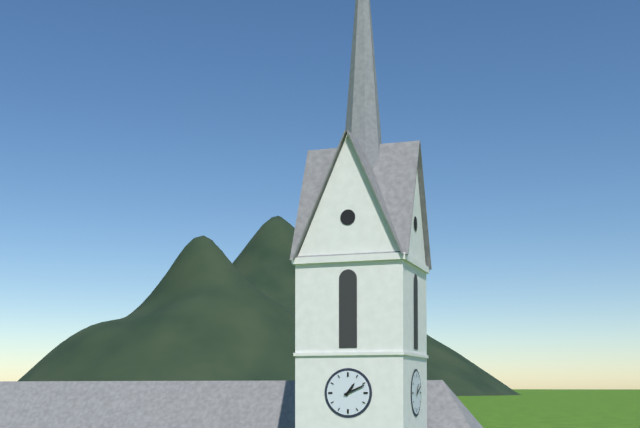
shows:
1,11
